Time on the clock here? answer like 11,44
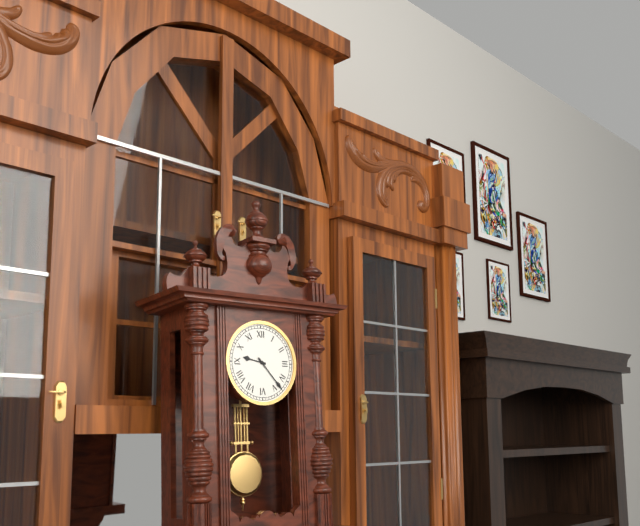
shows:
9,23
